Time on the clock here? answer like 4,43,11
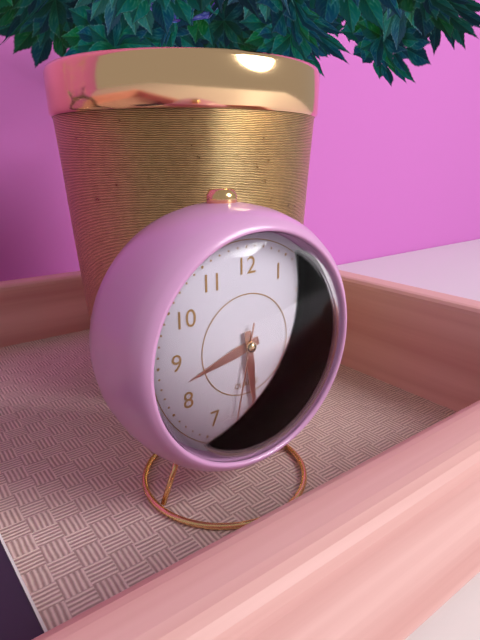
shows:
8,29,32
